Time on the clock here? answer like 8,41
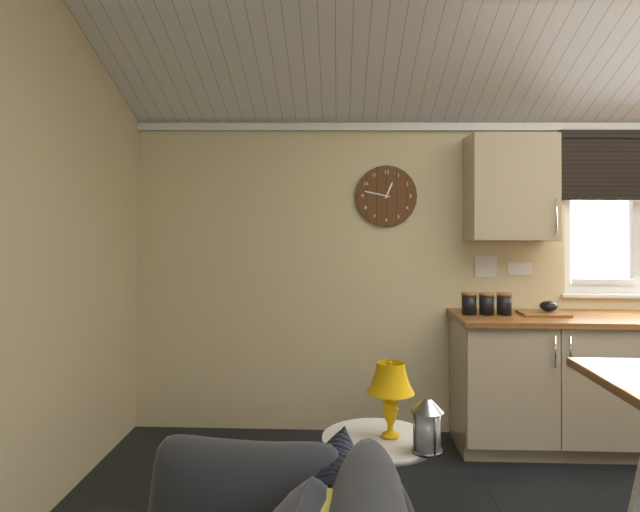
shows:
12,47
